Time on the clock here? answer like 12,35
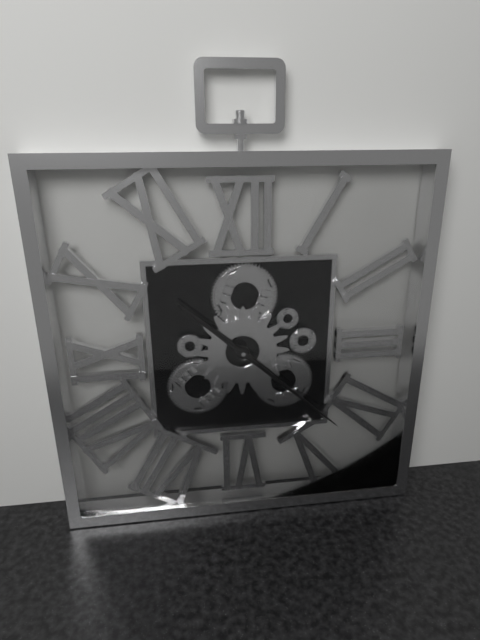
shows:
10,22
